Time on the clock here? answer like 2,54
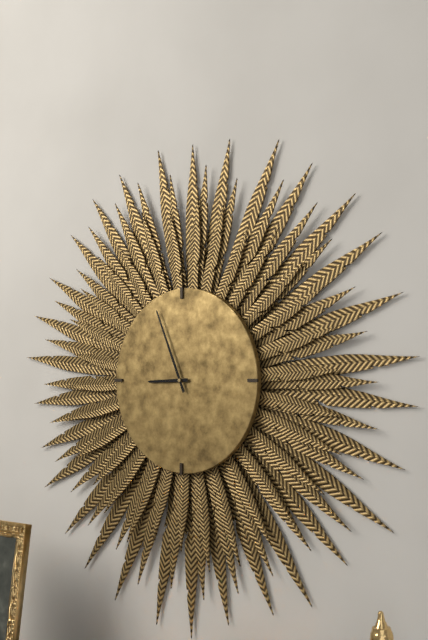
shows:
8,56
